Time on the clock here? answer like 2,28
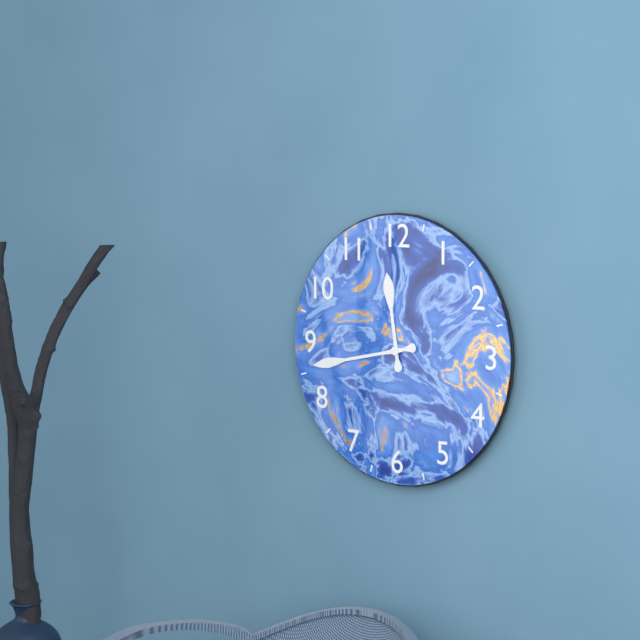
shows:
11,43
